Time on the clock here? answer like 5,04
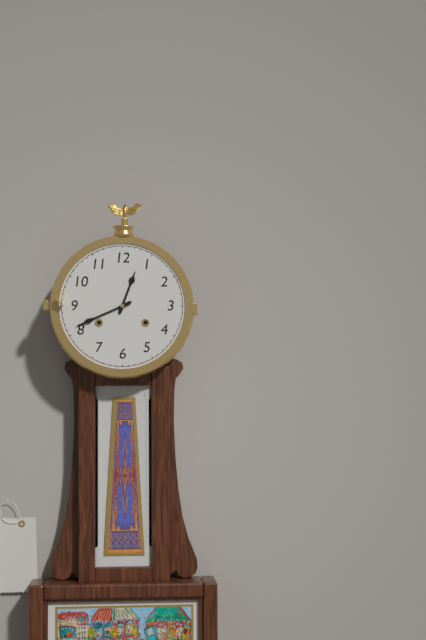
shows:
12,41
